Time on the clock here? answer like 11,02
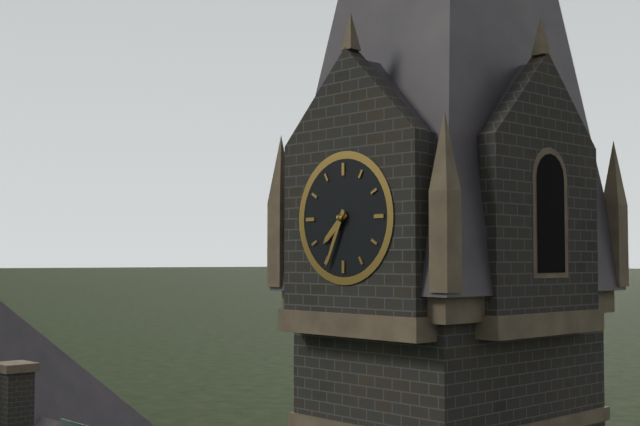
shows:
7,34
